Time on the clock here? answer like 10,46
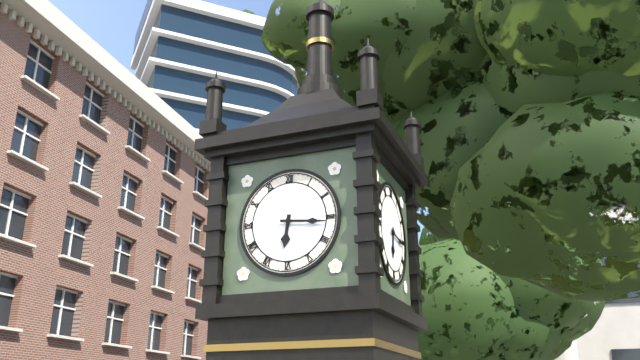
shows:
6,16
